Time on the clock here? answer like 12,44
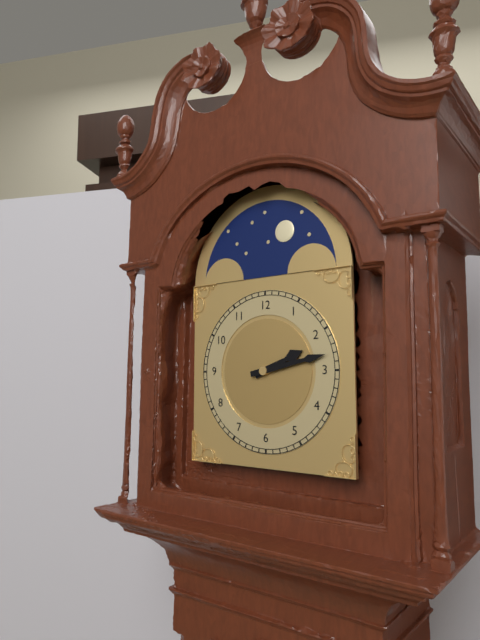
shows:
2,13
